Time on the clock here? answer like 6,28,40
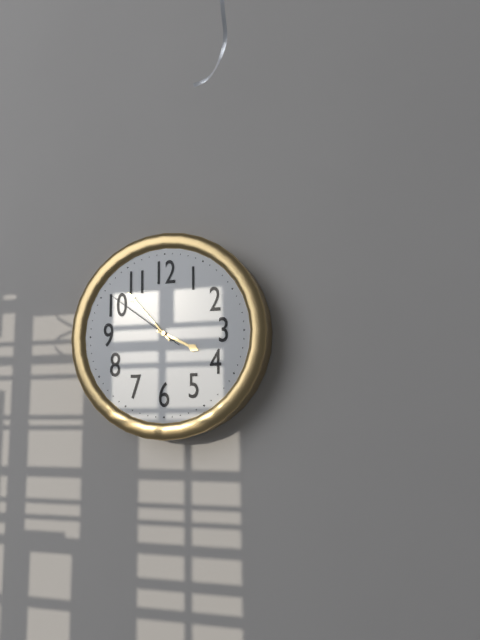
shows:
3,53,51
